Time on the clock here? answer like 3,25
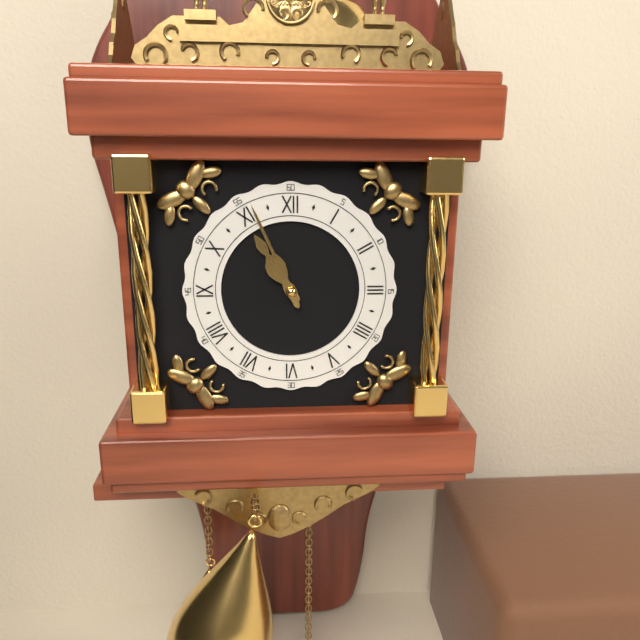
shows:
10,56
